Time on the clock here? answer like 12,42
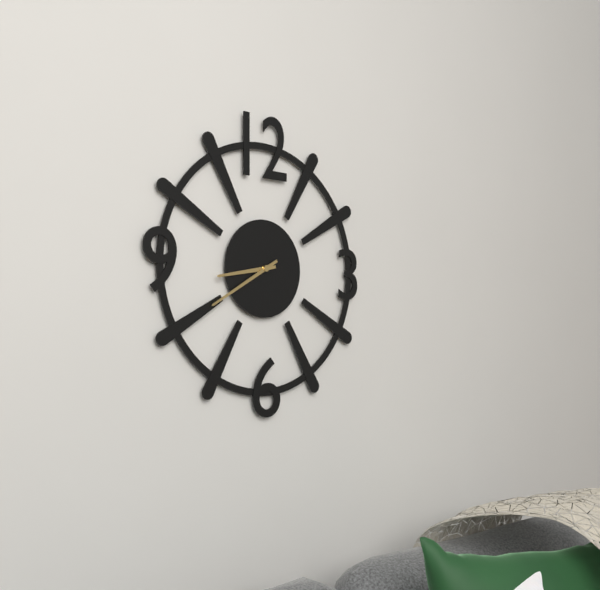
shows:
8,40
